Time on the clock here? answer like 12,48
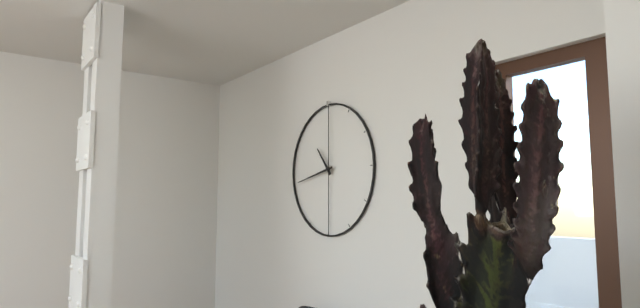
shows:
10,43
